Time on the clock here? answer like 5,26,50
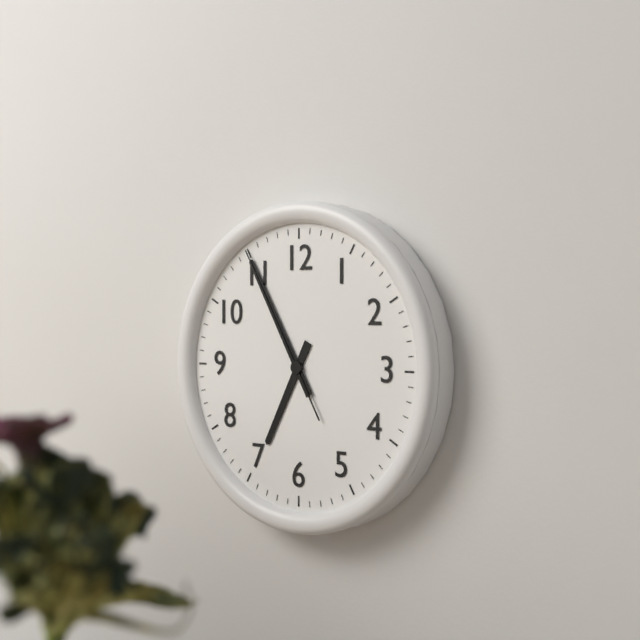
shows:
6,55,55
